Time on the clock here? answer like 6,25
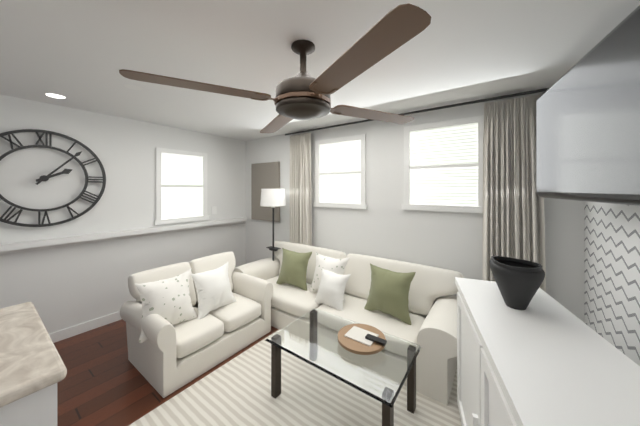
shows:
2,07
